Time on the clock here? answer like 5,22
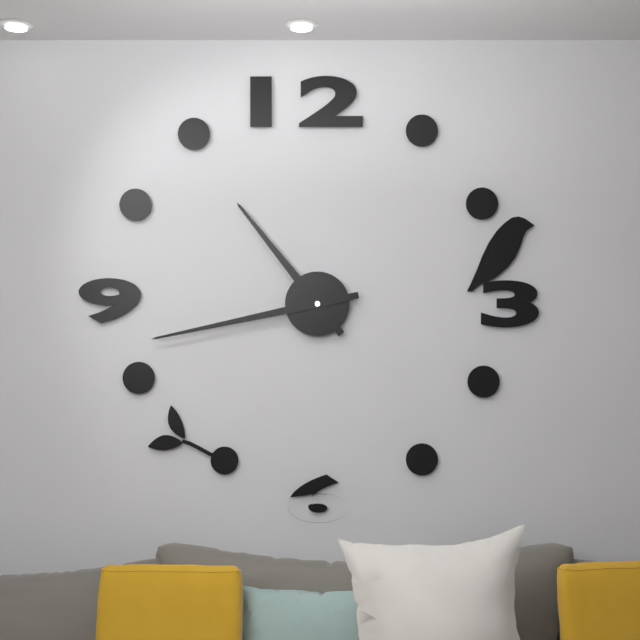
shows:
10,43
